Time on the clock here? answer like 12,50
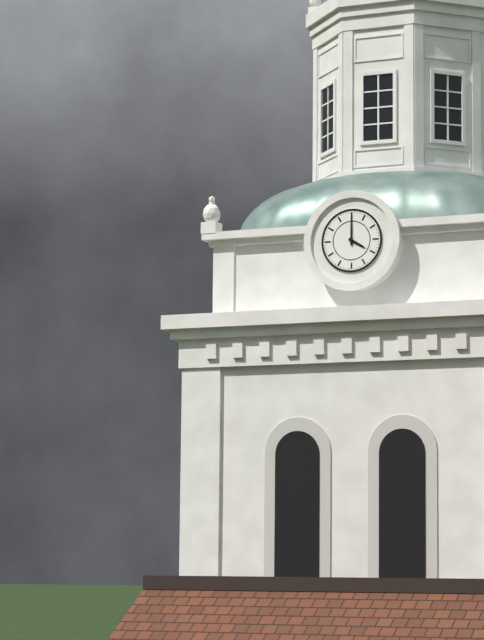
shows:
4,00
